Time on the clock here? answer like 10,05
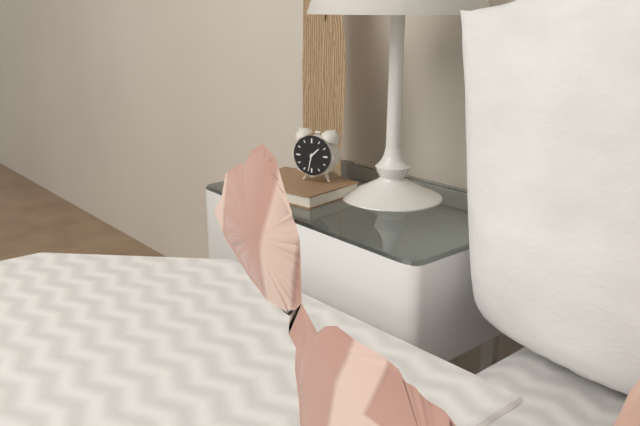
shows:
1,32
